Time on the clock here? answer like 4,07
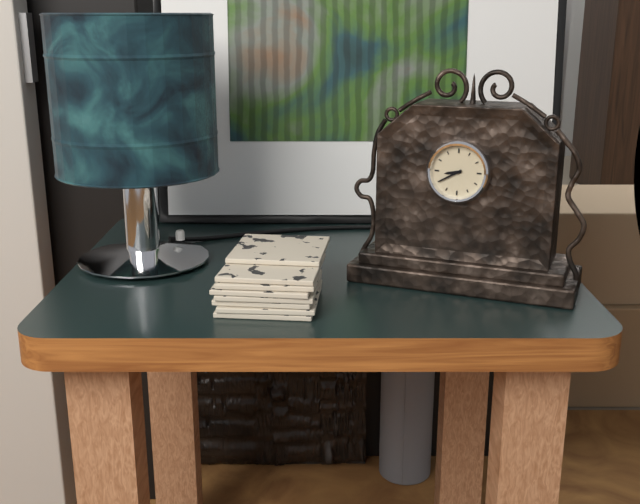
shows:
8,40
